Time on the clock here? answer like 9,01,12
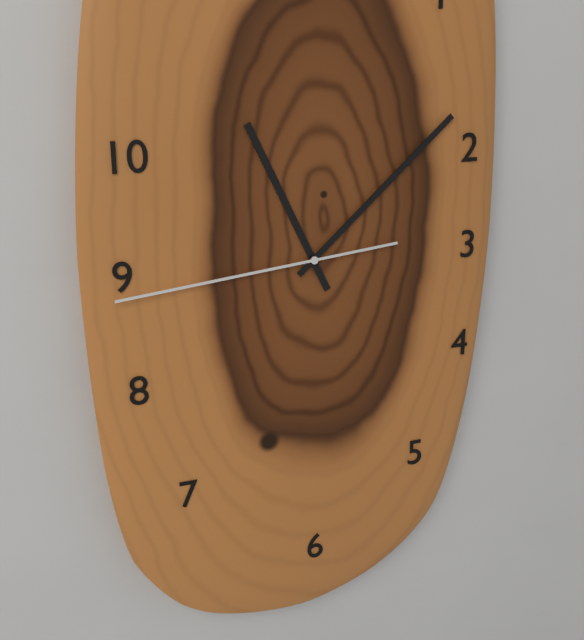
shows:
11,08,44
